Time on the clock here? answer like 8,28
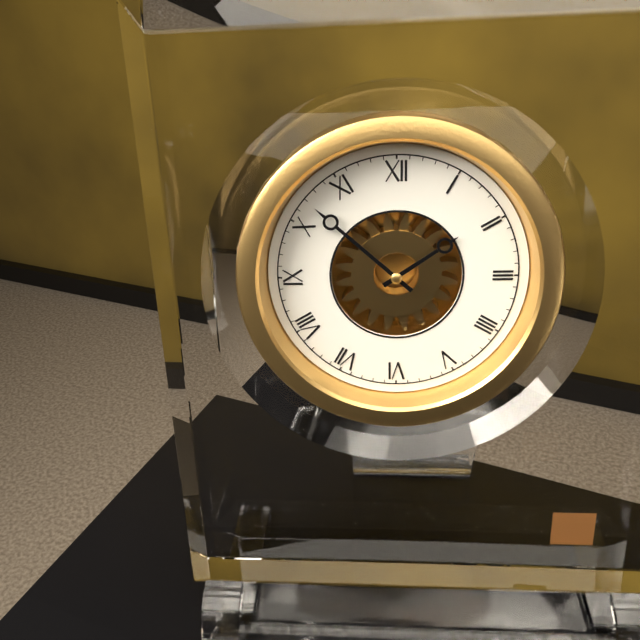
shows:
1,52
